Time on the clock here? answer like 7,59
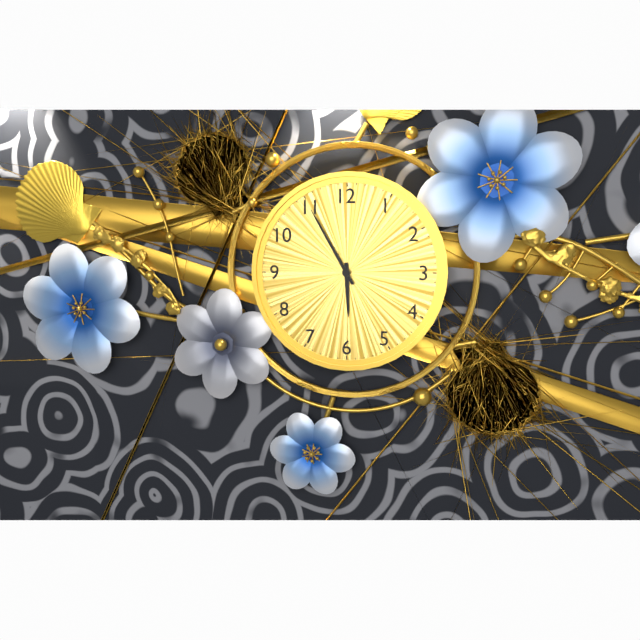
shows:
5,55
